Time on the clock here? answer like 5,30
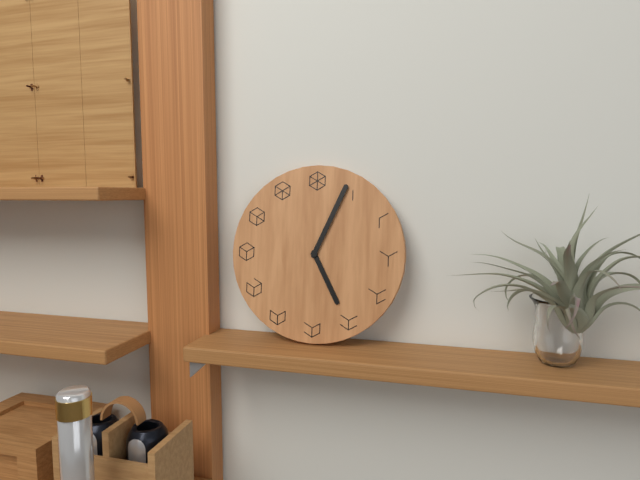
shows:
5,04
